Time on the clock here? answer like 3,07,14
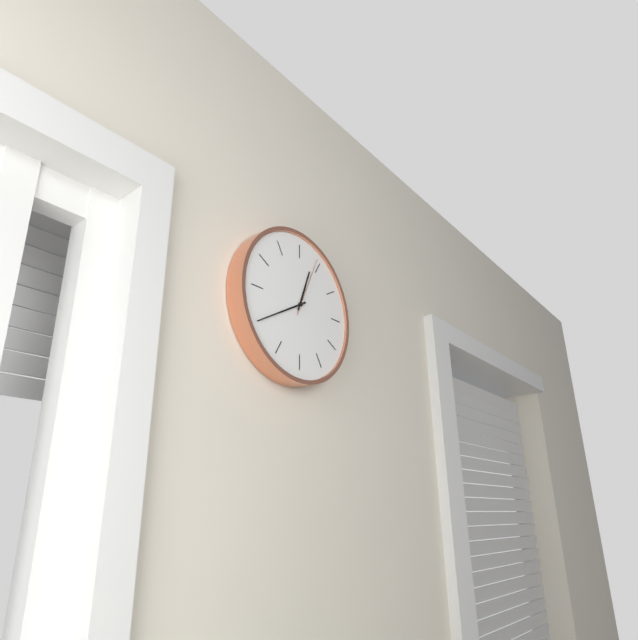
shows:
12,40,04
